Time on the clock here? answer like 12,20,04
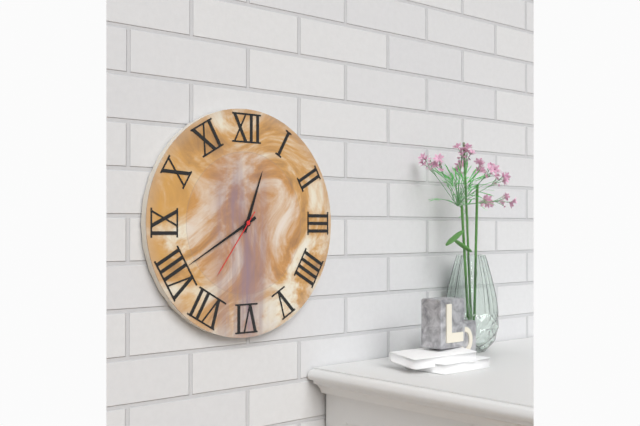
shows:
12,40,36
